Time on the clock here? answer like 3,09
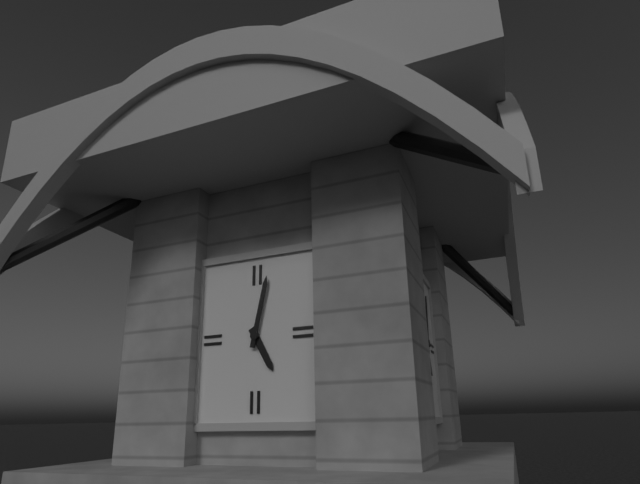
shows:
5,02
